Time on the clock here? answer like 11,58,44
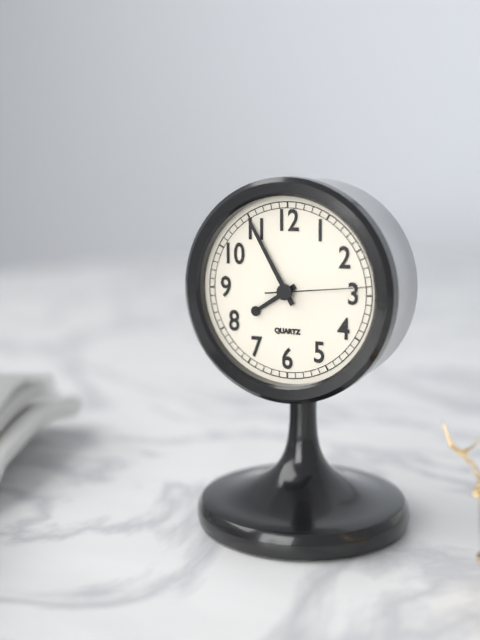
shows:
7,55,14
